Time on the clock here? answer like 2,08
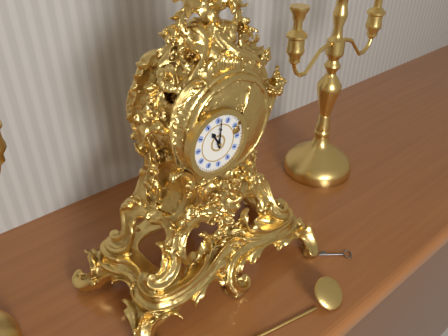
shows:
11,01
